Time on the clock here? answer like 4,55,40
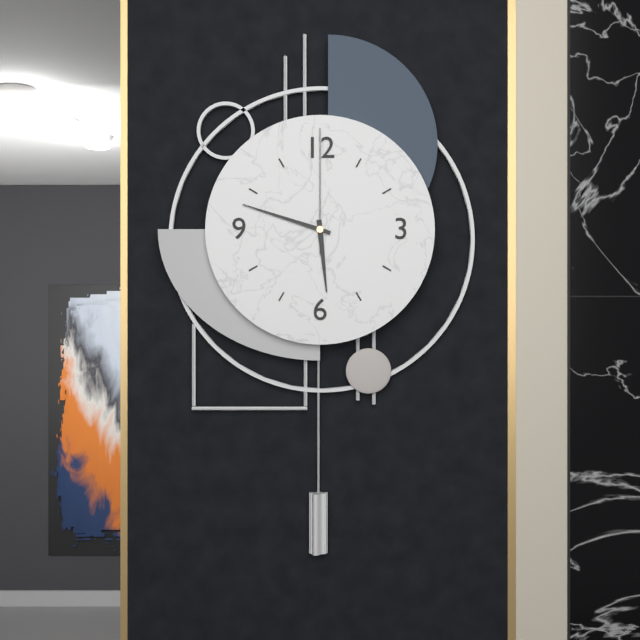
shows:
5,48,00
